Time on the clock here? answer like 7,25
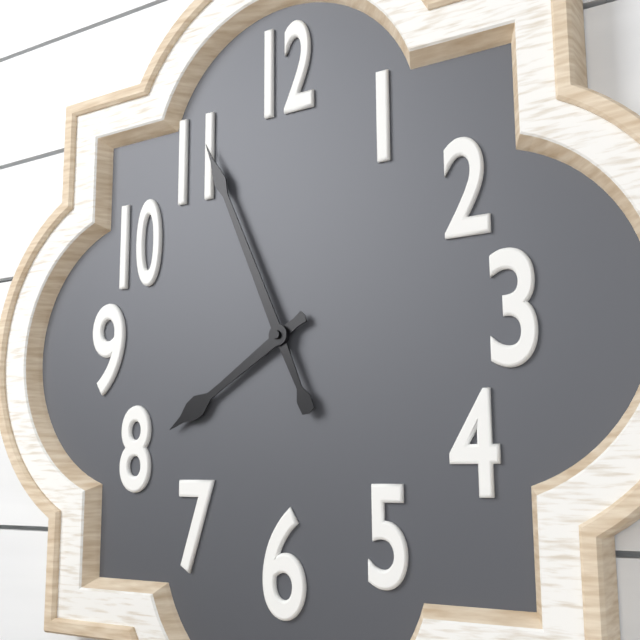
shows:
7,56
